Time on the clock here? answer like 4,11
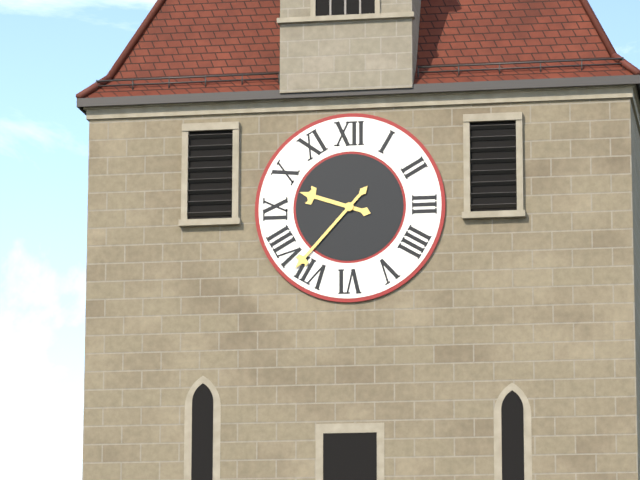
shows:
9,37
